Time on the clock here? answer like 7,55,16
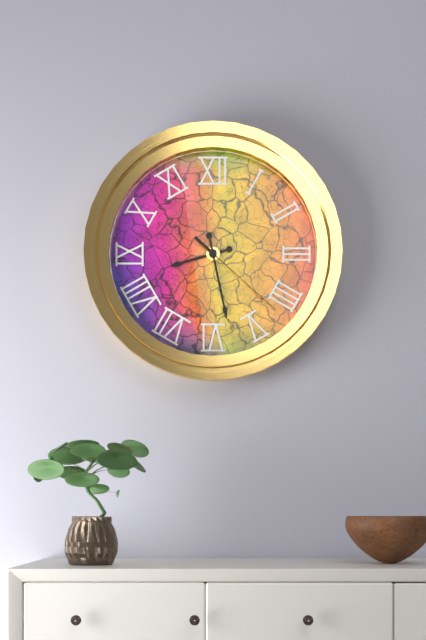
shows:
8,28,22
